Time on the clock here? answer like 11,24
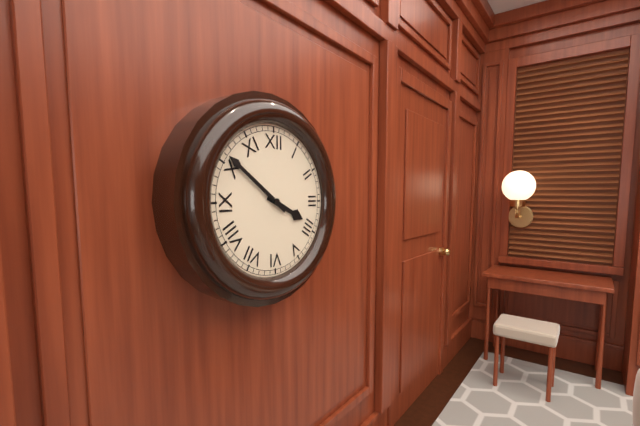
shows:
3,51
